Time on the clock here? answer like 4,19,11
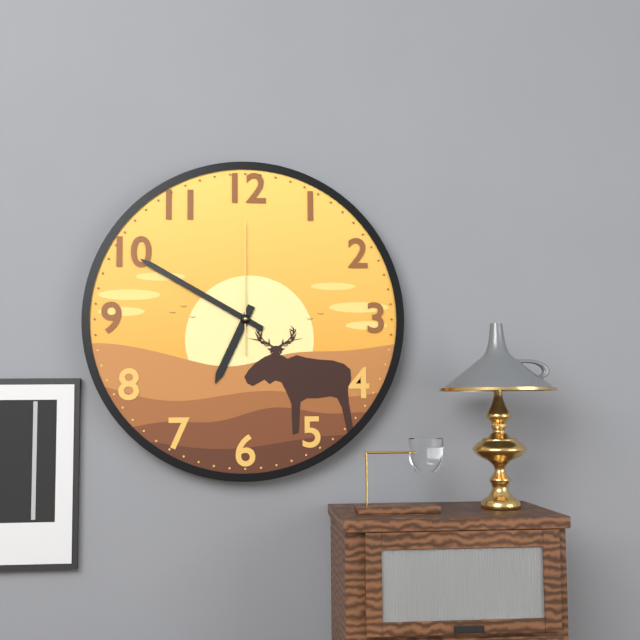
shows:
6,50,00
